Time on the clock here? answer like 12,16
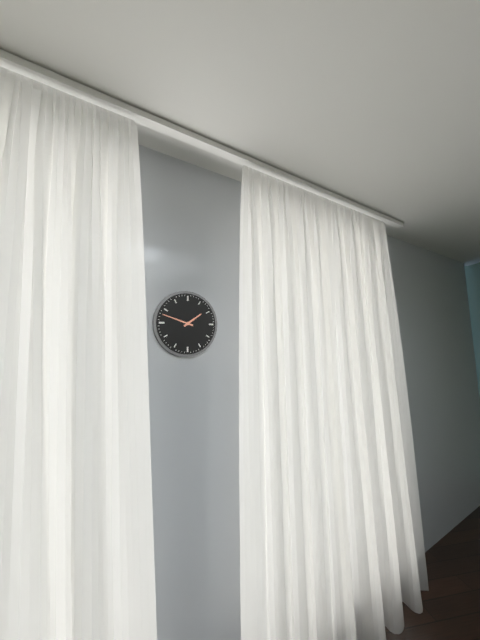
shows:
1,48
